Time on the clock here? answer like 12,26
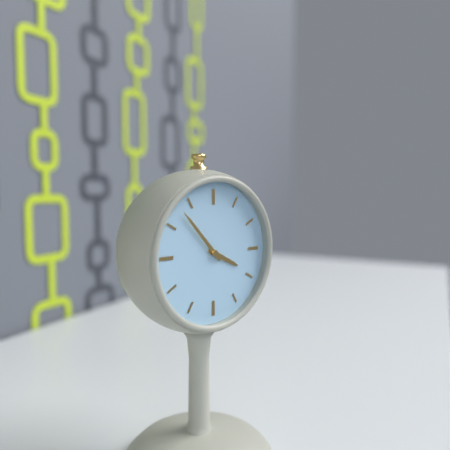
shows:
3,53
